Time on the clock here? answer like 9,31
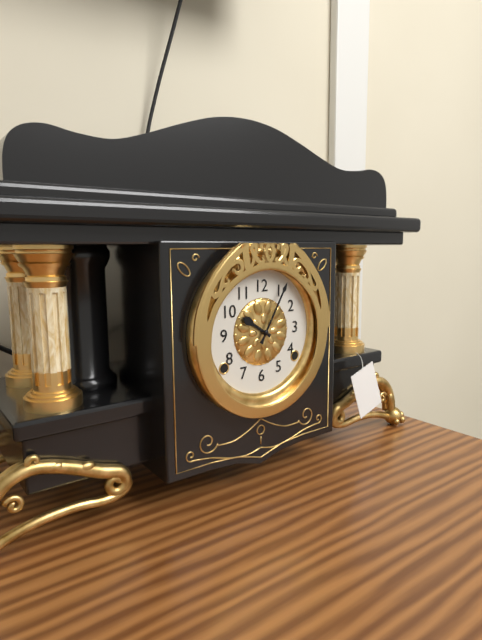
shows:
10,05
